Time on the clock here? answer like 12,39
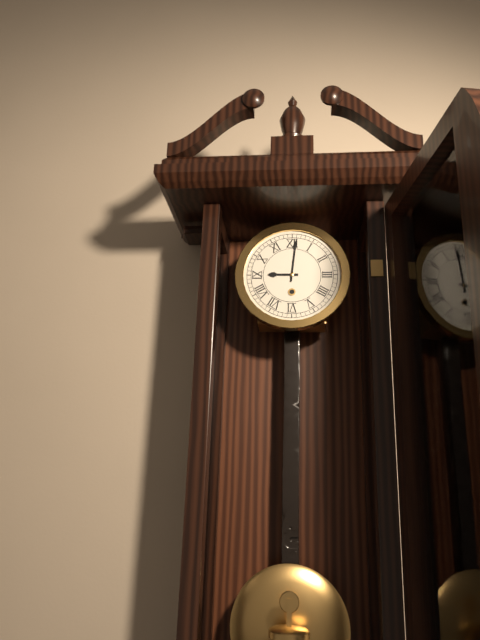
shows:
9,01
